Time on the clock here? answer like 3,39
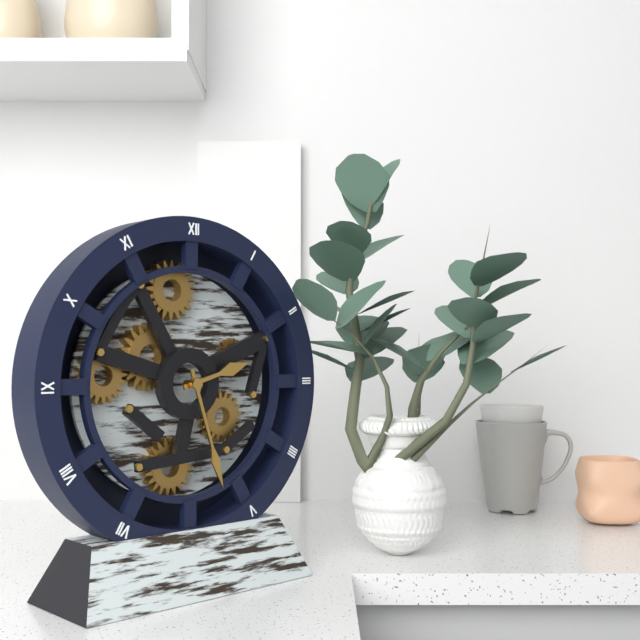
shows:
2,27
